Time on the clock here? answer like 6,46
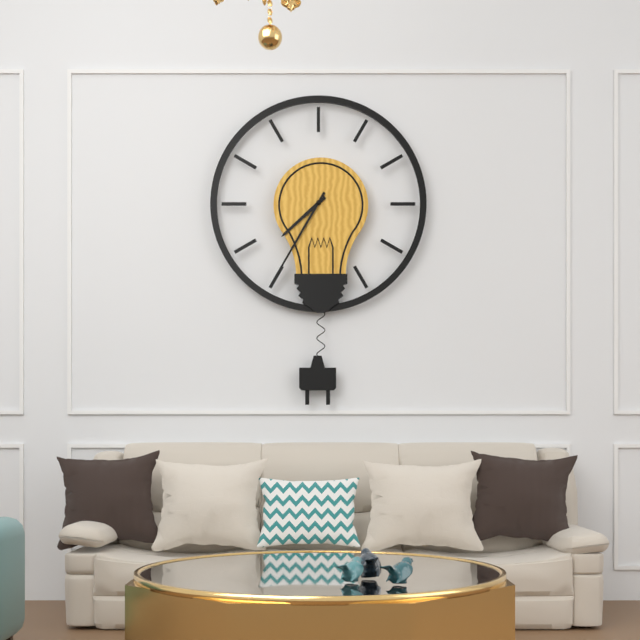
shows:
7,35
